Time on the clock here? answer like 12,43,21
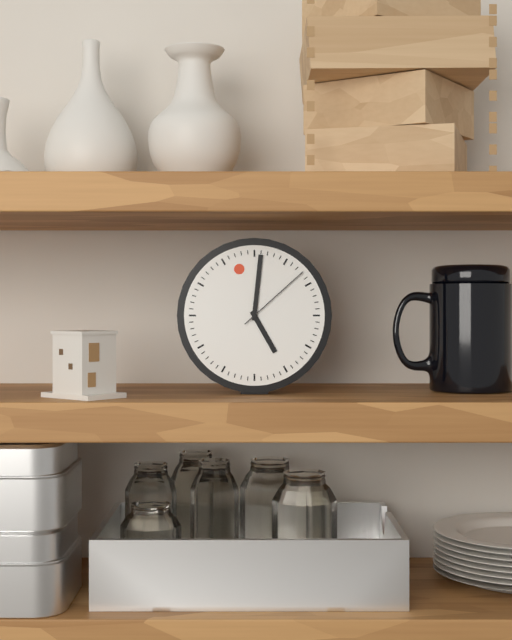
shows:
5,01,08
